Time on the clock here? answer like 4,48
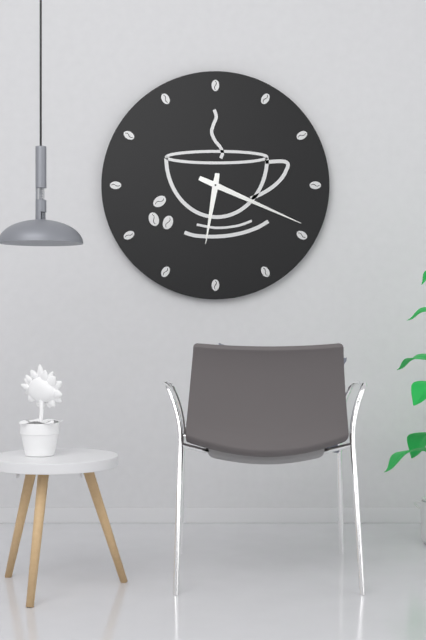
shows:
6,19
